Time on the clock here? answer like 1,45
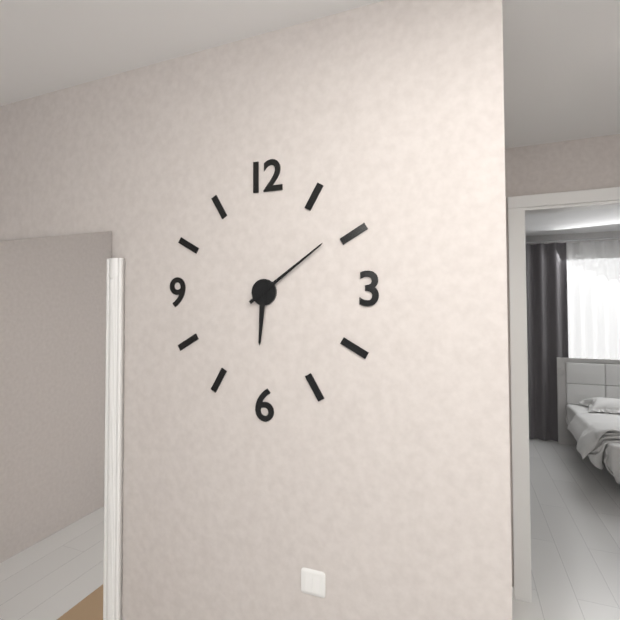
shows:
6,09
